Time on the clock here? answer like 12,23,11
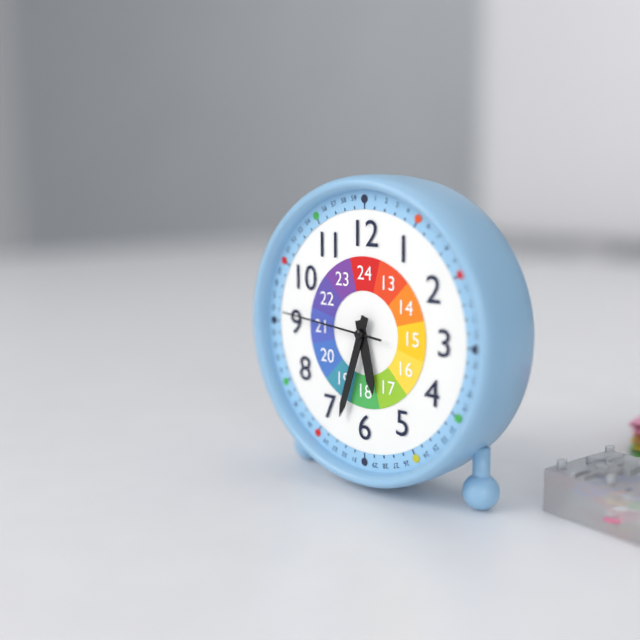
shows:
5,33,46
